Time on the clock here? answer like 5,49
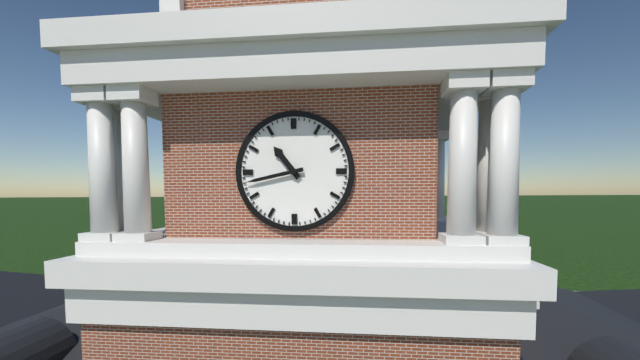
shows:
10,43
